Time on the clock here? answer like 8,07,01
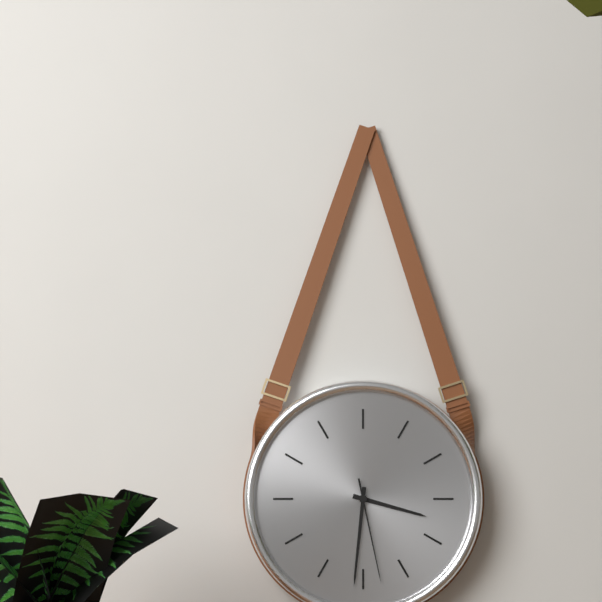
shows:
3,31,28
